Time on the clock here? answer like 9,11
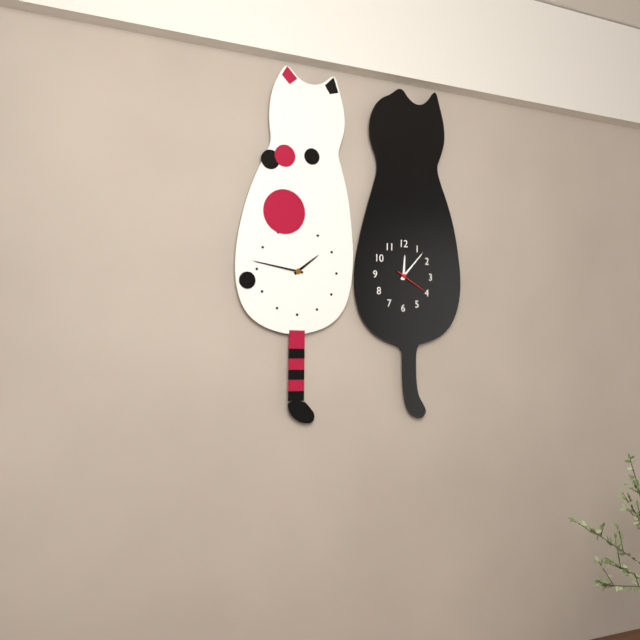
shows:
12,07
